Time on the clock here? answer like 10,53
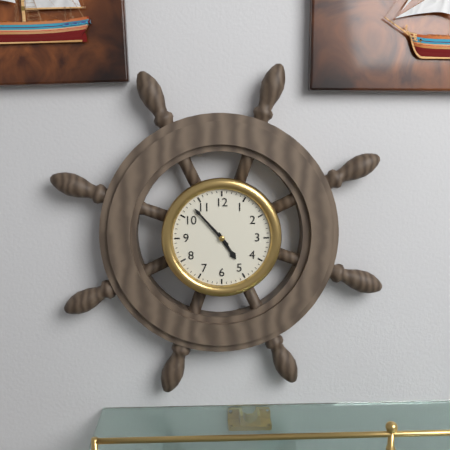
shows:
4,53
